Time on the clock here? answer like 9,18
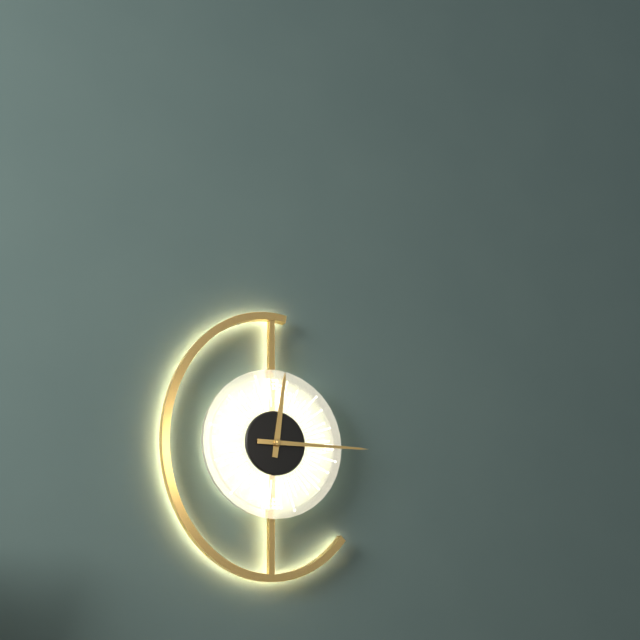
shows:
12,15
